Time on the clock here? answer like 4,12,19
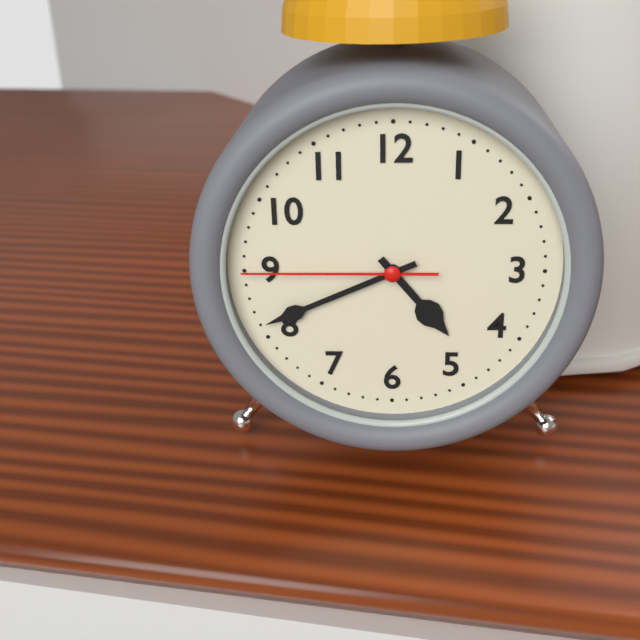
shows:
4,41,45
